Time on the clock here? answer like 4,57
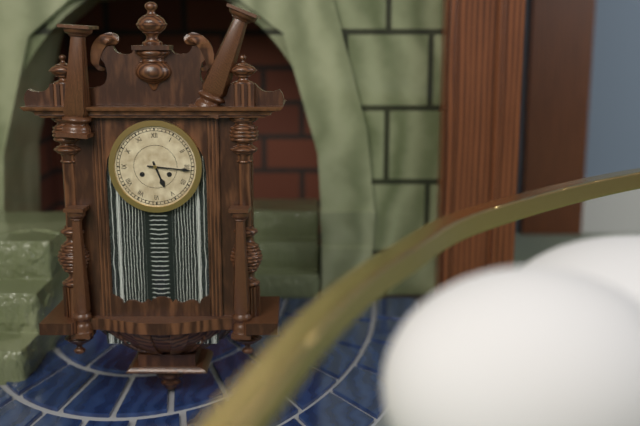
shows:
5,16
